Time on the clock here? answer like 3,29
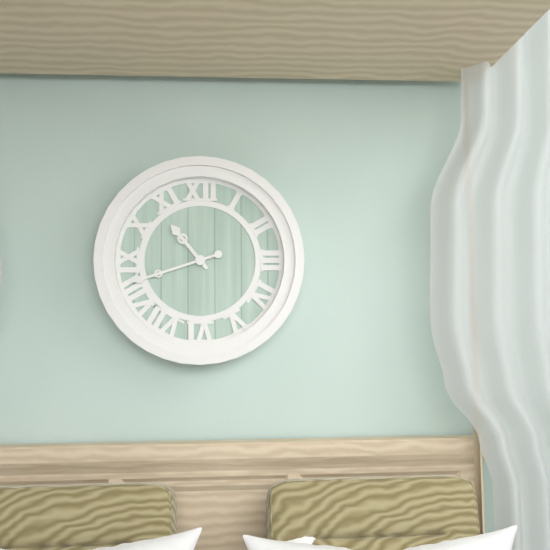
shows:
10,42
